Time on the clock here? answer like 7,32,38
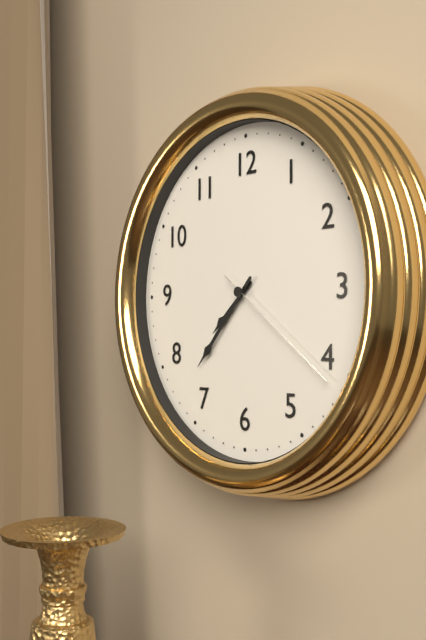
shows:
7,37,21
